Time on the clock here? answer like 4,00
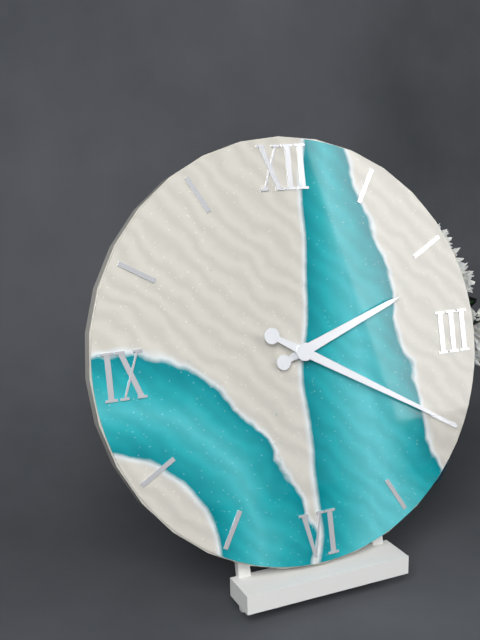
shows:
2,20
